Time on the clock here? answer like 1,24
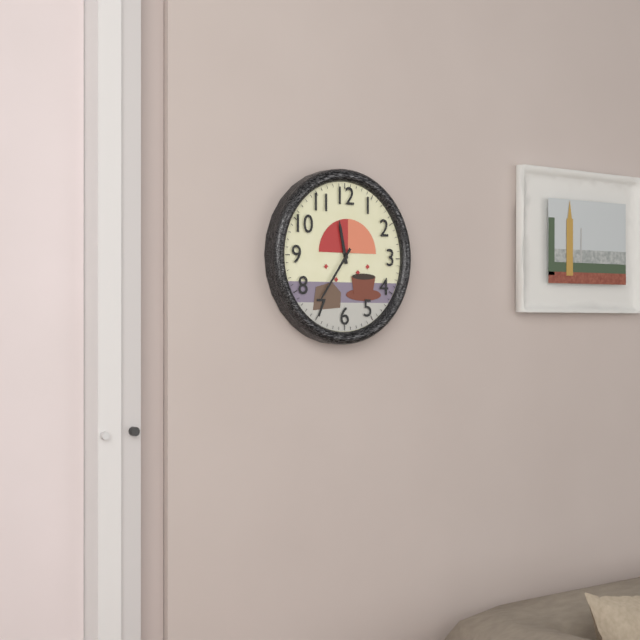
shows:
11,36
